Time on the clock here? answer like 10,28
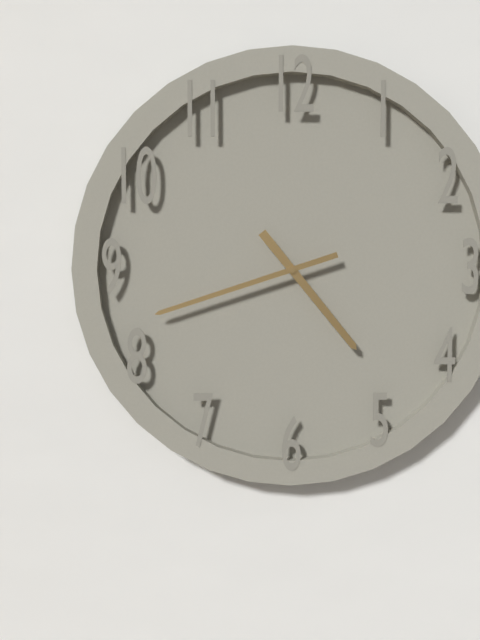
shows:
4,42
